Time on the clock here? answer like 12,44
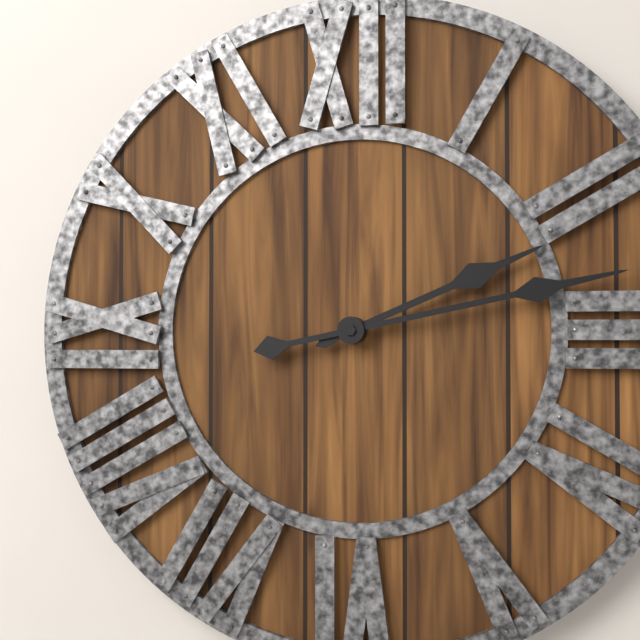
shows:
2,13
